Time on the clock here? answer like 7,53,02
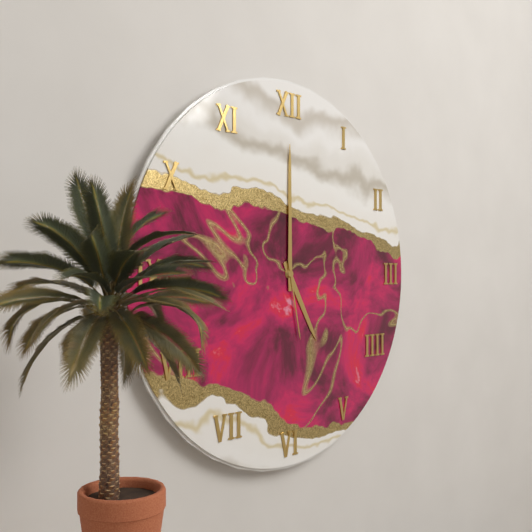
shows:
5,00,28
